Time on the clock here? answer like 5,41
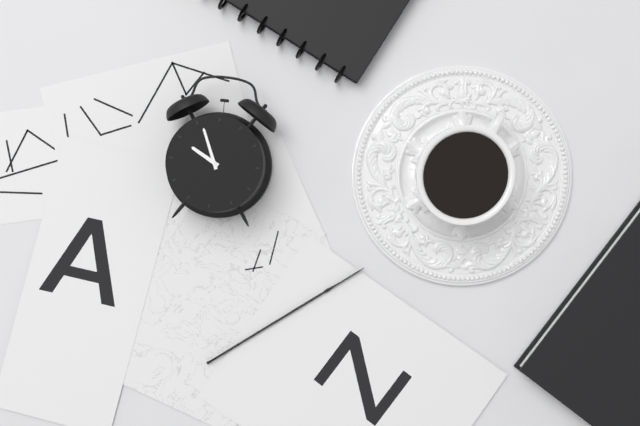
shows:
9,56
